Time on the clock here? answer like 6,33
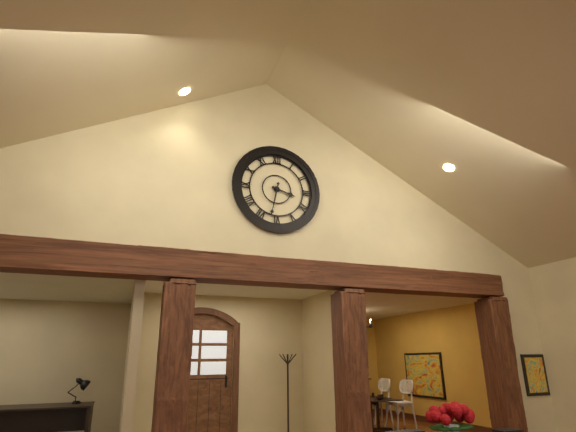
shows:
3,32
